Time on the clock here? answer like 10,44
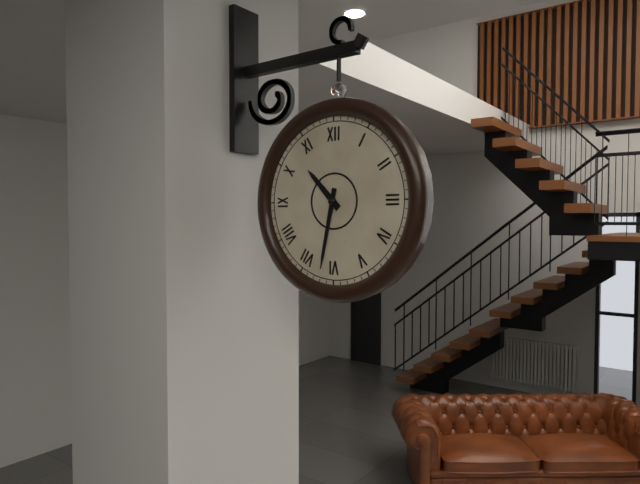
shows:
10,32
